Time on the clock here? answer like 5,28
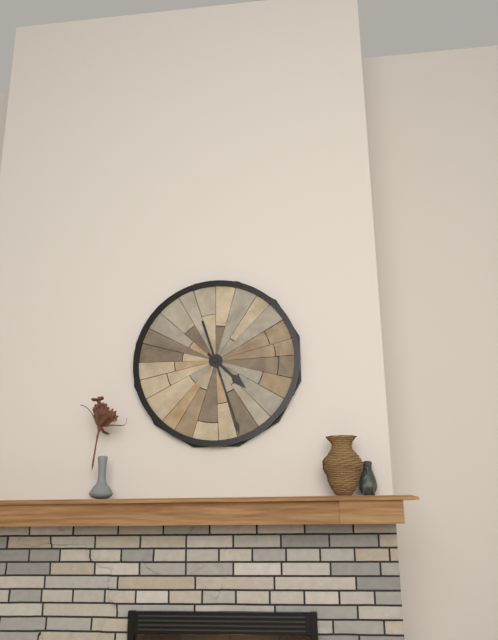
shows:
4,27
